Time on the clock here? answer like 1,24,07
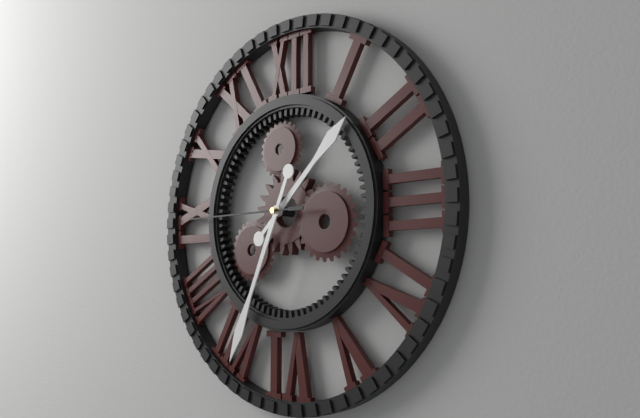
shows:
1,34,45
